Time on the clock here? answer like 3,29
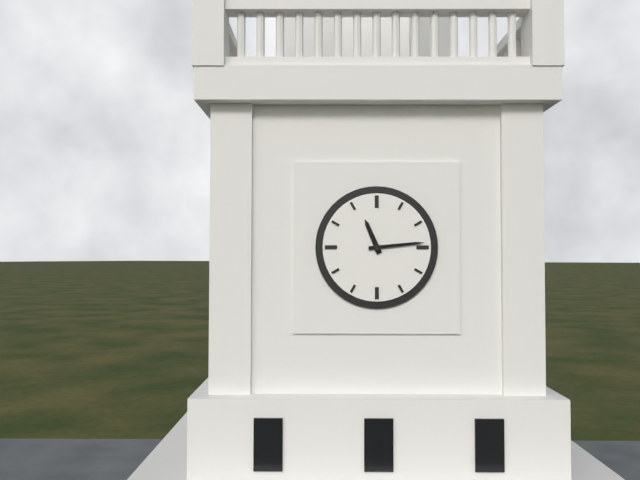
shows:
11,14
